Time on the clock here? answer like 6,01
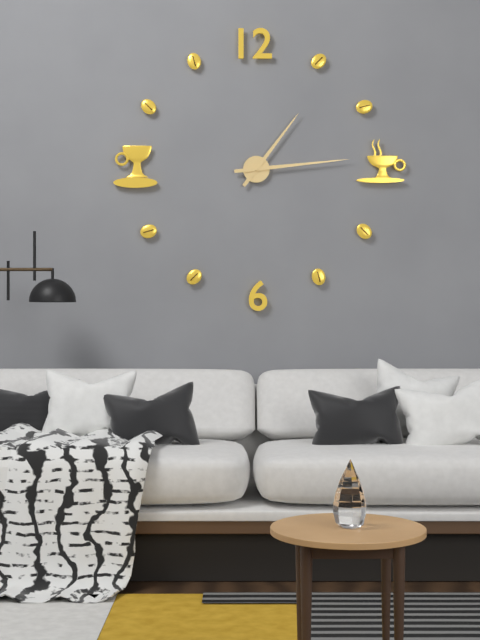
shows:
1,14
